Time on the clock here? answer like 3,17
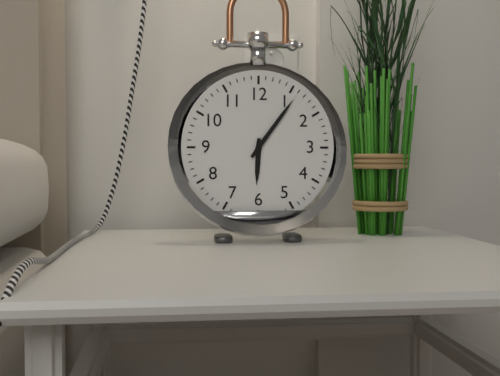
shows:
6,06
